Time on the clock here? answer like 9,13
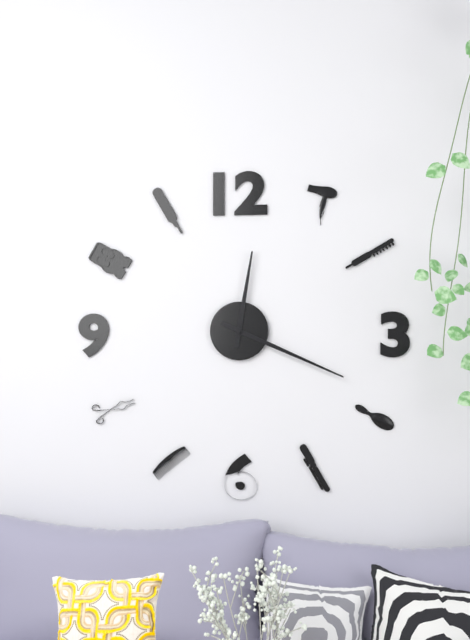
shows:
12,19
